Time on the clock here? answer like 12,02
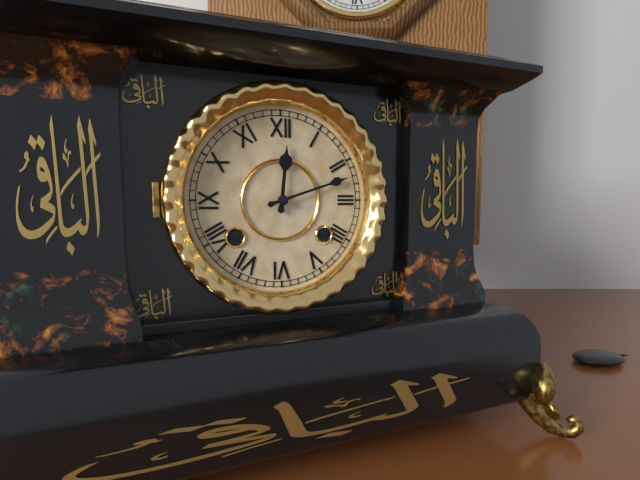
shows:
12,12
